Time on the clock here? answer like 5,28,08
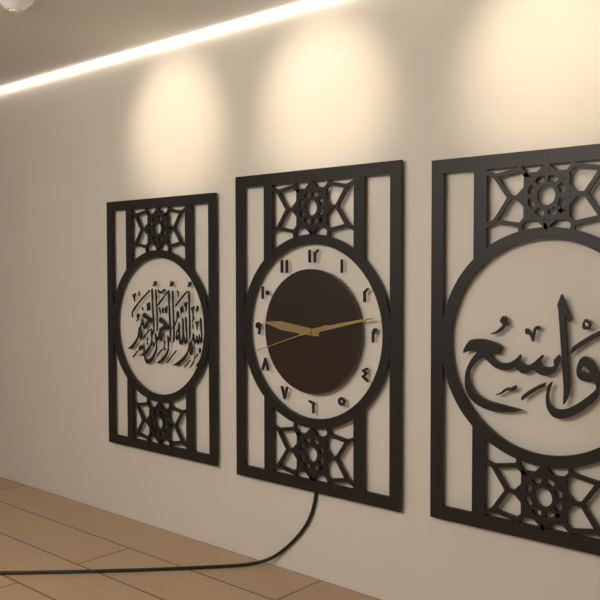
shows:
9,13,42
